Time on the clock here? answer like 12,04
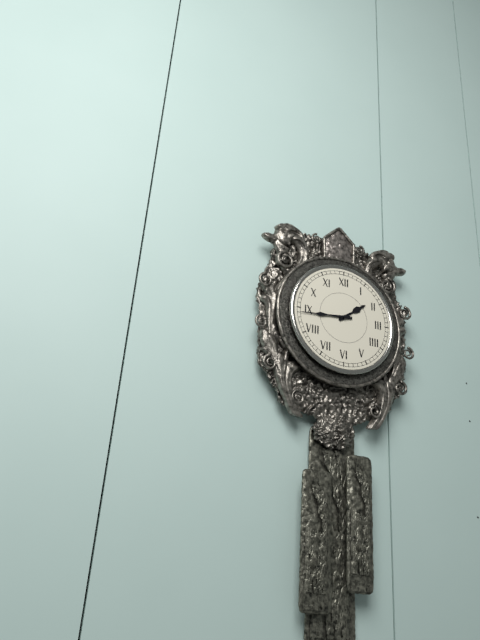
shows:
1,44
